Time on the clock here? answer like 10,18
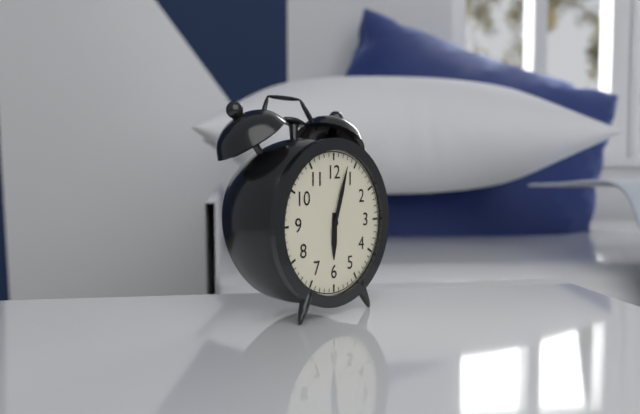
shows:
6,03
